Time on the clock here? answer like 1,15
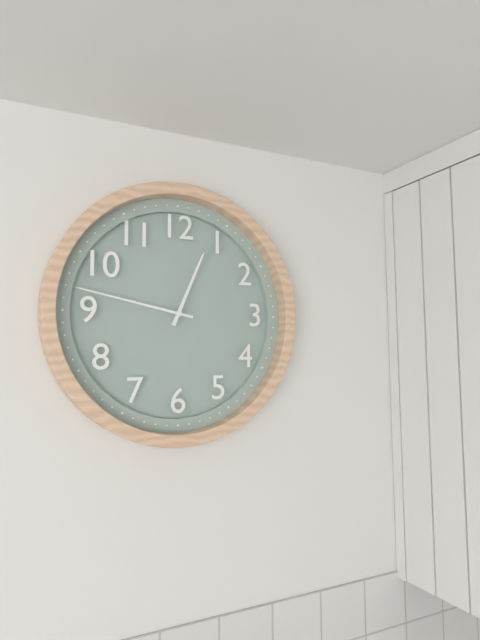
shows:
12,47
